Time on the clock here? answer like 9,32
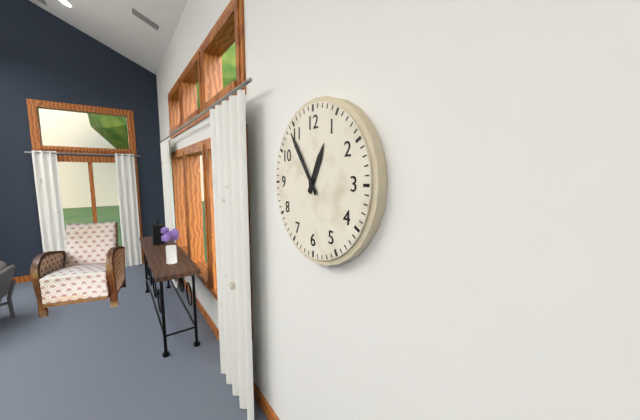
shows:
12,54
